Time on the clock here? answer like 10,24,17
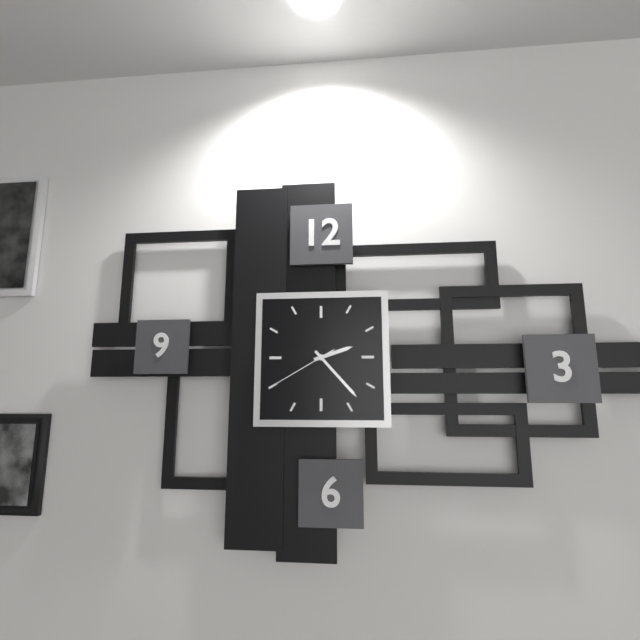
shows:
2,23,40
